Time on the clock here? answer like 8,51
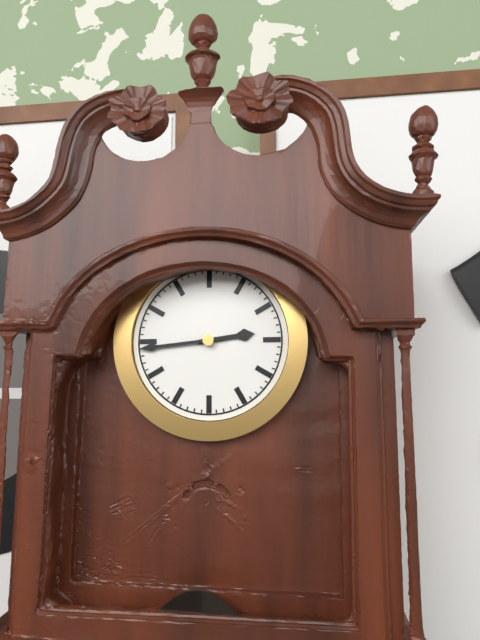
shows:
2,44
